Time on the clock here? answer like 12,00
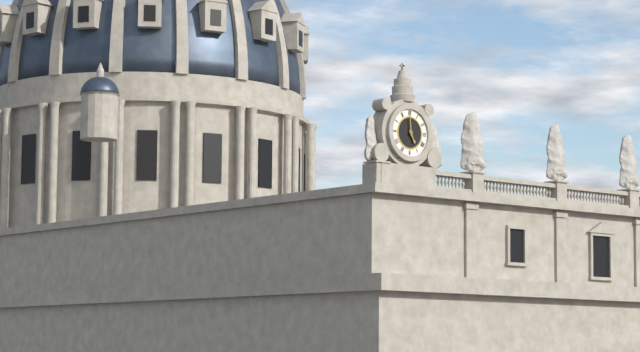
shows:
4,59
